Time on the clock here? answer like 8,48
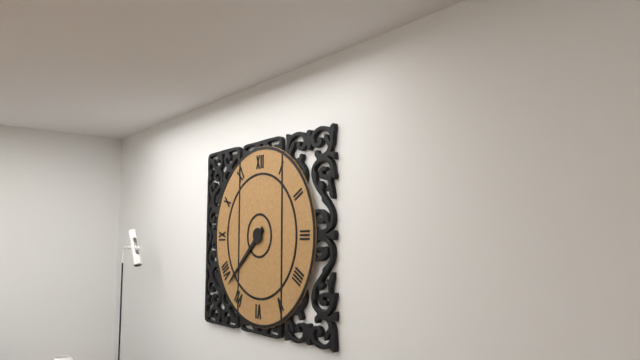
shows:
7,38
